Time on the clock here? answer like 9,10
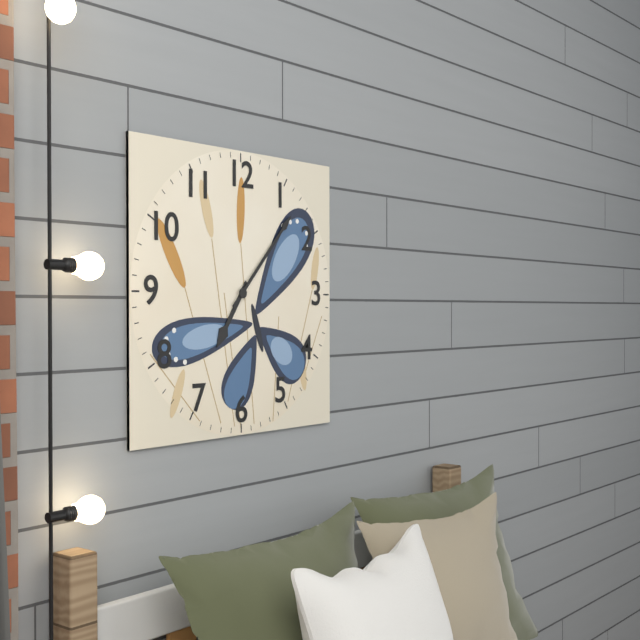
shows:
7,07
